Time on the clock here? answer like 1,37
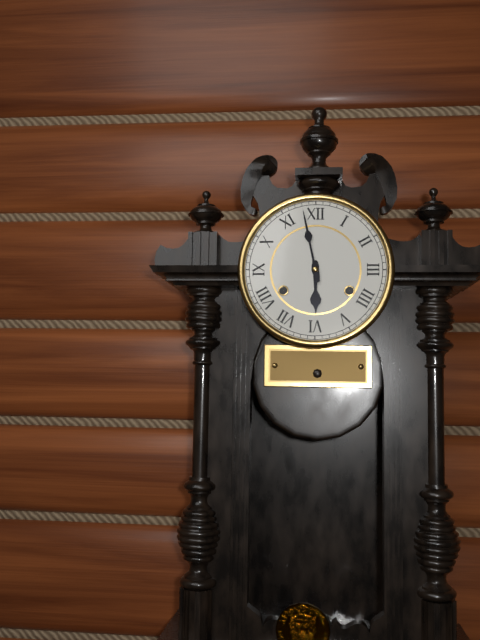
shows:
5,58
